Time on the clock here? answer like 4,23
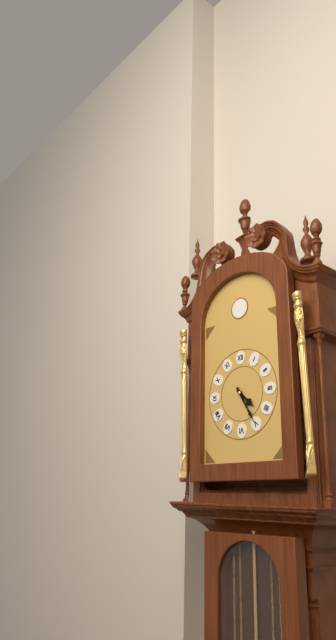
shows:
4,25
